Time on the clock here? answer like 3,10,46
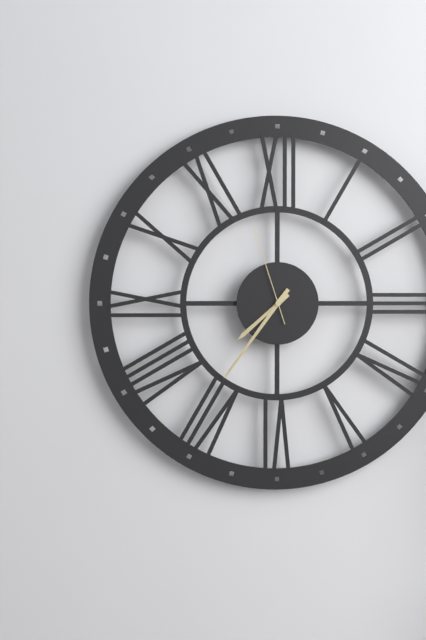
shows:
7,36,57
